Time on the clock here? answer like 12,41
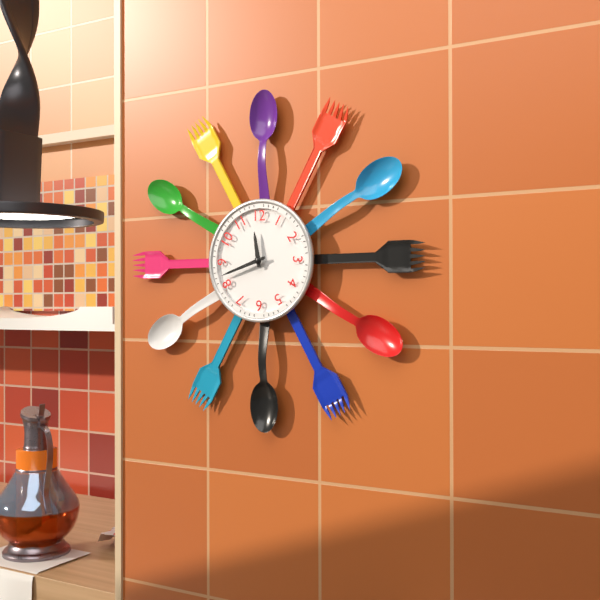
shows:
11,42
